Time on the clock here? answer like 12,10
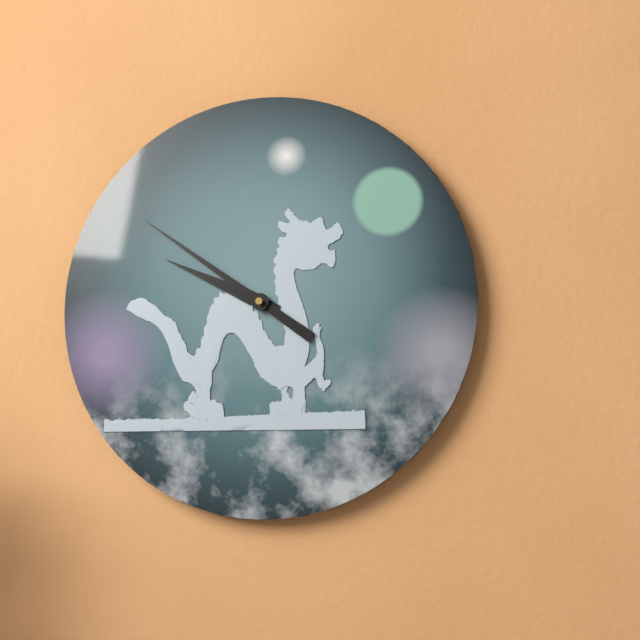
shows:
9,51
